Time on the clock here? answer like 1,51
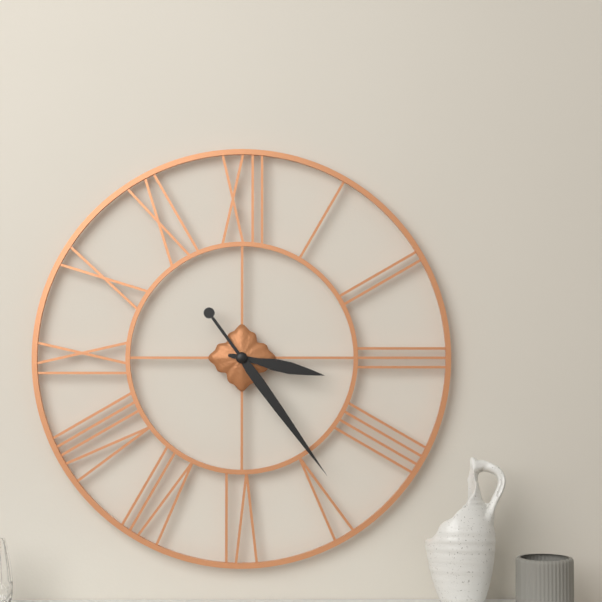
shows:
3,24
